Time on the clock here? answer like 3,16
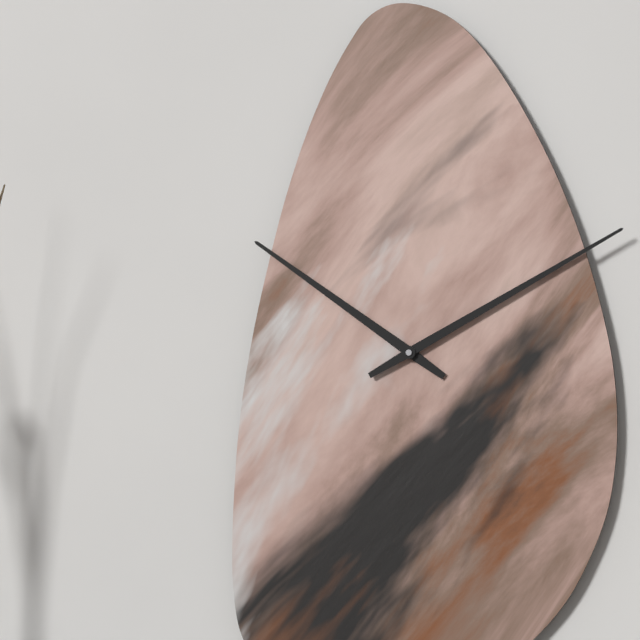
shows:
10,10
